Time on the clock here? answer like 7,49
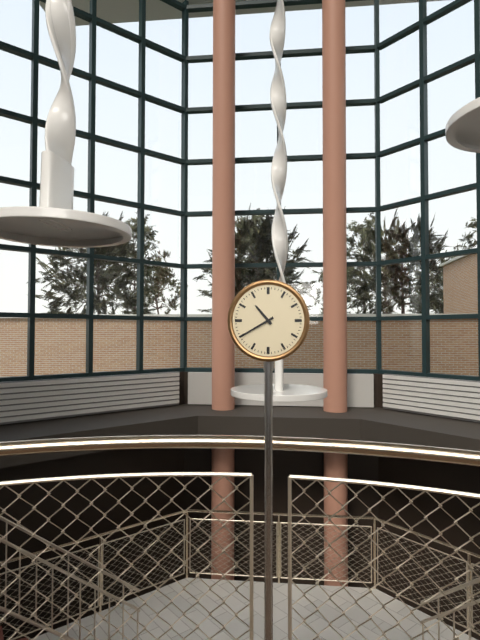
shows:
10,40
